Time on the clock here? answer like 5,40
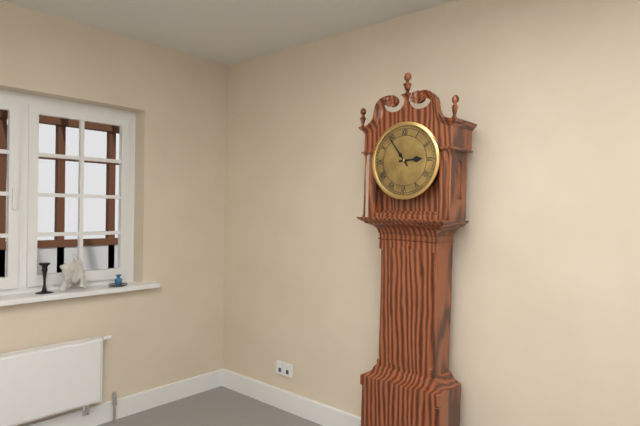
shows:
2,54
